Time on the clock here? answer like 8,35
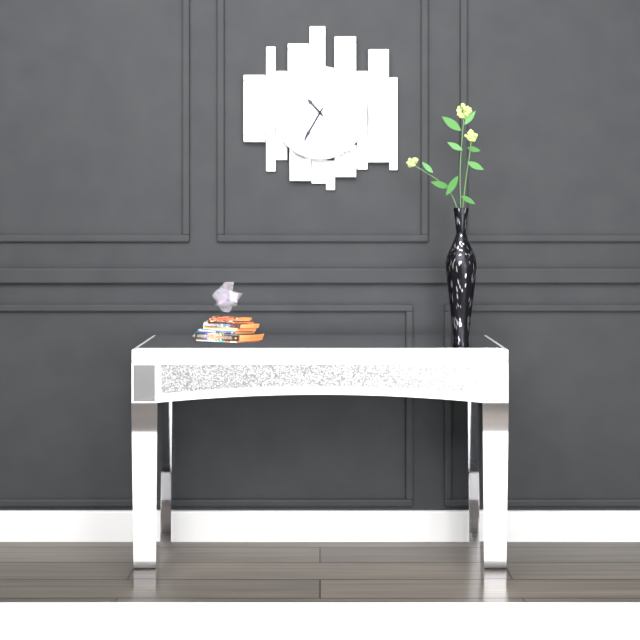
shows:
10,35
